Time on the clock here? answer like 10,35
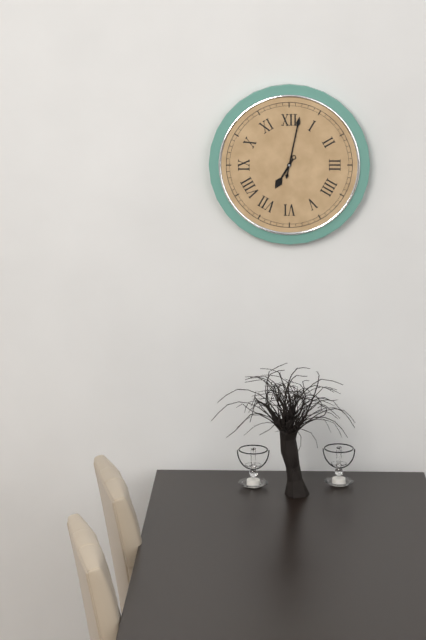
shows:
7,02
